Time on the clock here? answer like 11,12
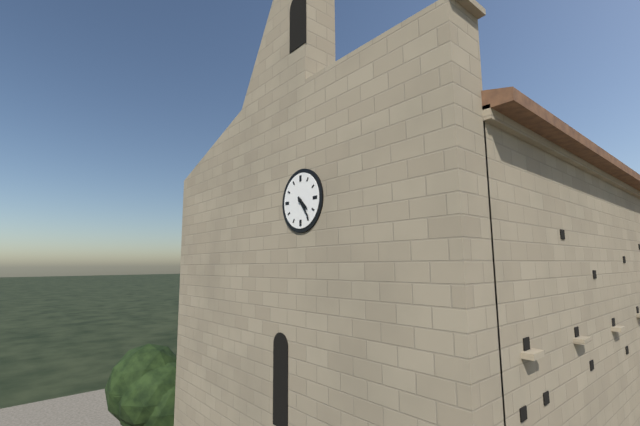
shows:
4,24
